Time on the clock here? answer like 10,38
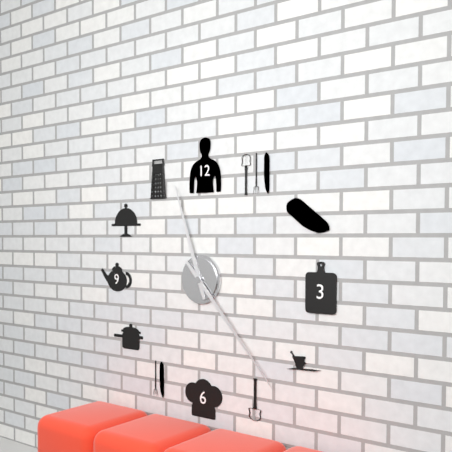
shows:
11,23
